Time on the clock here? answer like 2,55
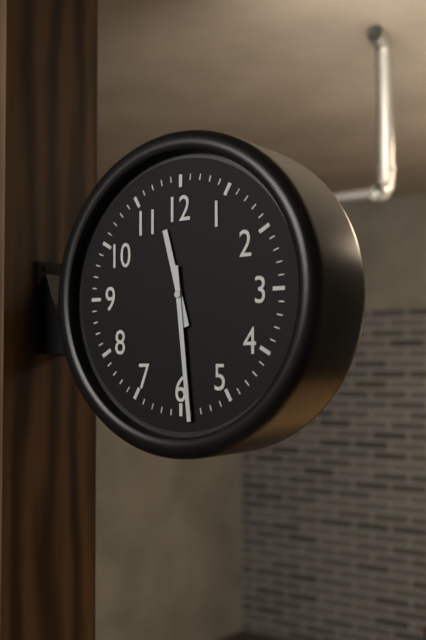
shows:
11,29
